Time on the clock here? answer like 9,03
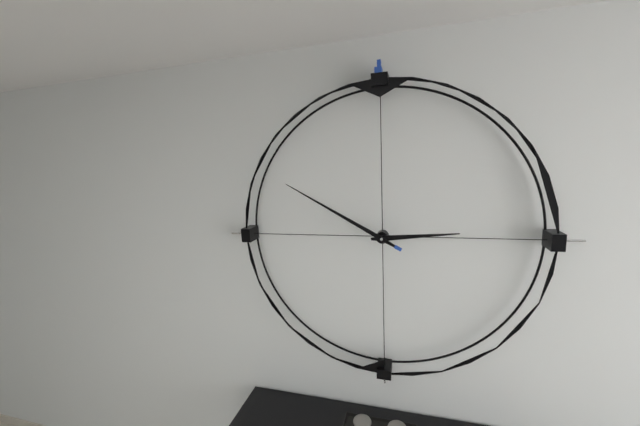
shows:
2,50
